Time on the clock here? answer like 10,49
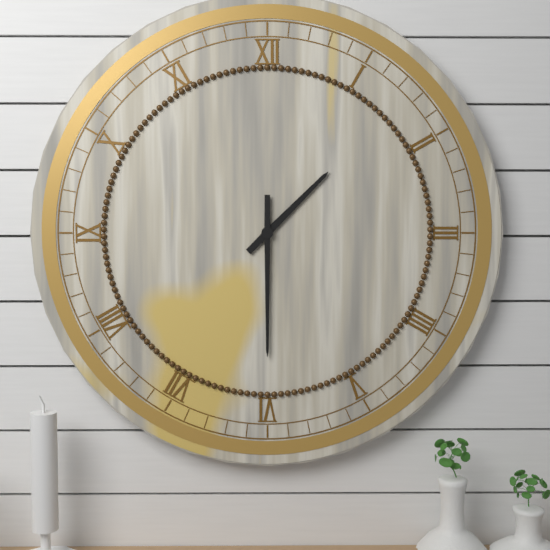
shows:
1,30
